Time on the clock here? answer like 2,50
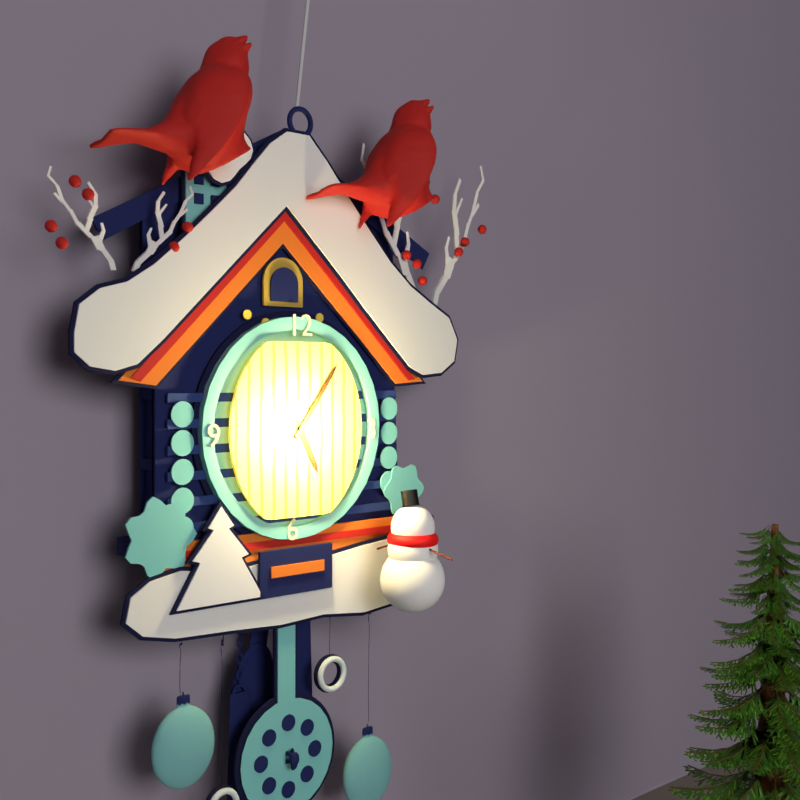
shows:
5,06
